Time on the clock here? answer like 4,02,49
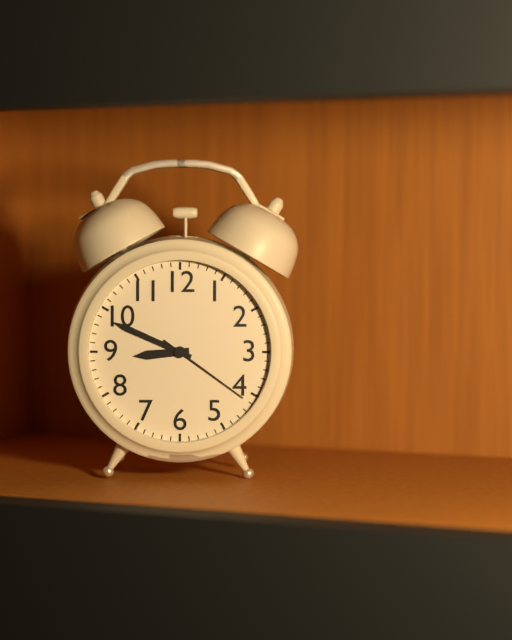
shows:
8,49,21
